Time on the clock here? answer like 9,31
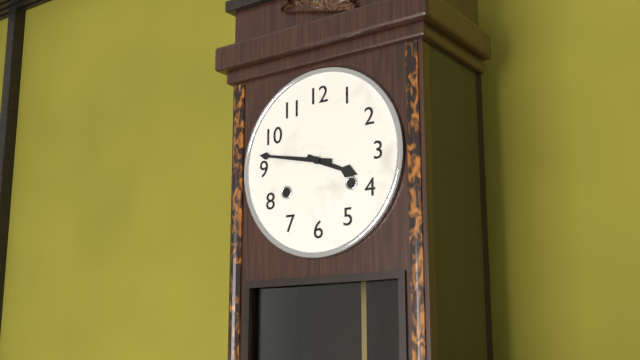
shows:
3,47
